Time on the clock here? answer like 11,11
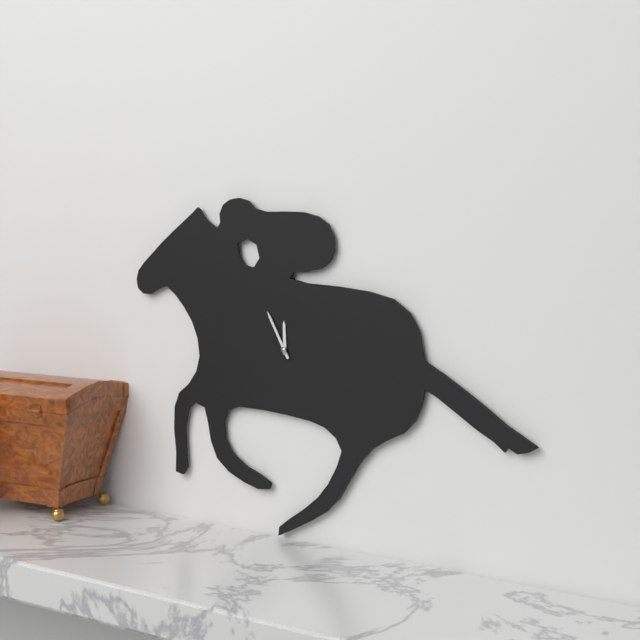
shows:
11,55
